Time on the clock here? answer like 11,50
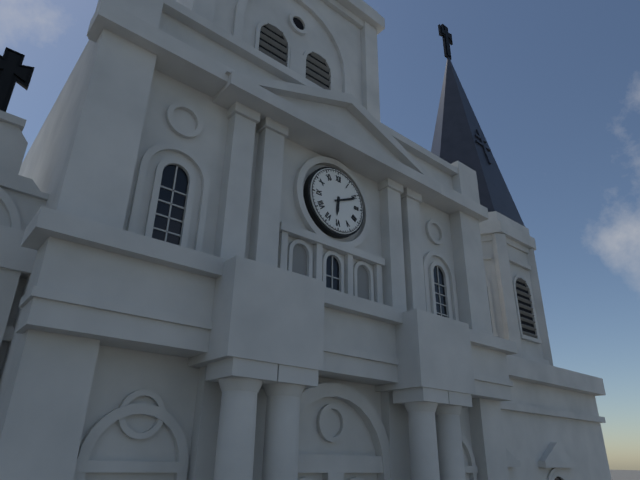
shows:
6,11
